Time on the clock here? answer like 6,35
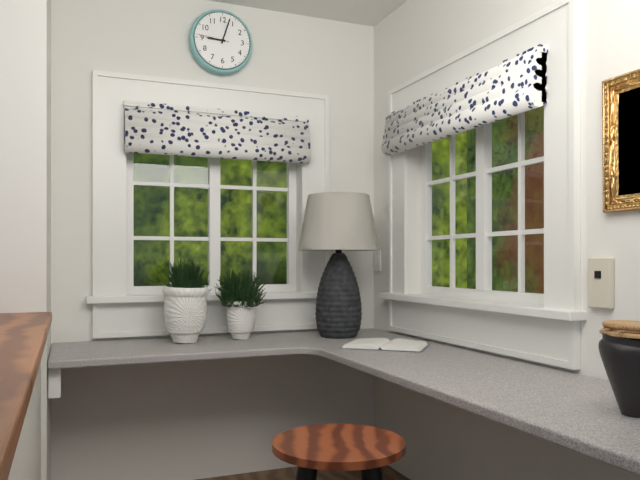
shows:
9,03
